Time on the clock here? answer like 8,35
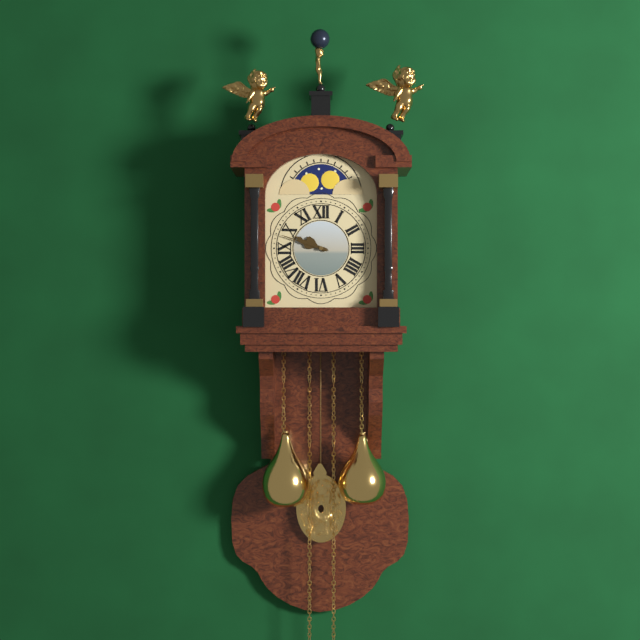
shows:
9,48
